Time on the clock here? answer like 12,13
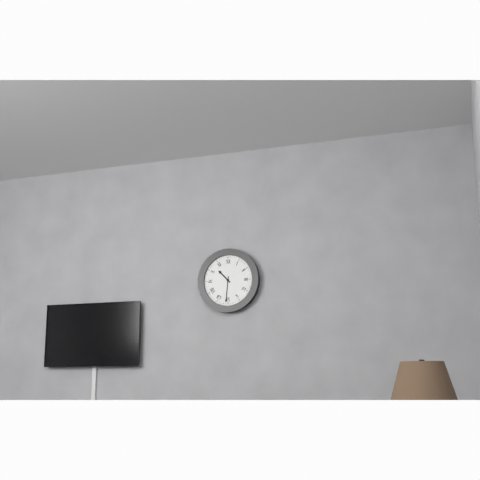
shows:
10,31
